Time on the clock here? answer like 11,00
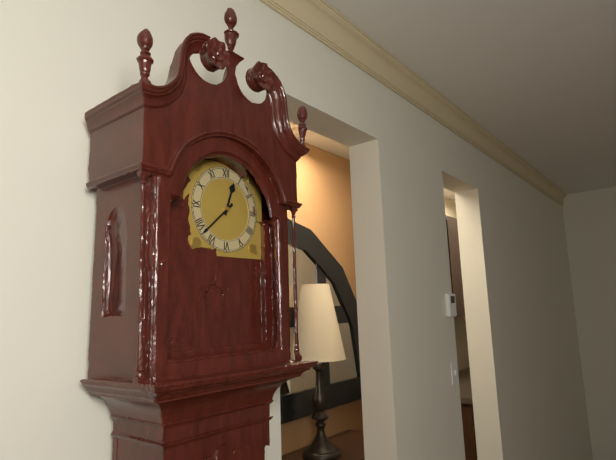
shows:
12,38
